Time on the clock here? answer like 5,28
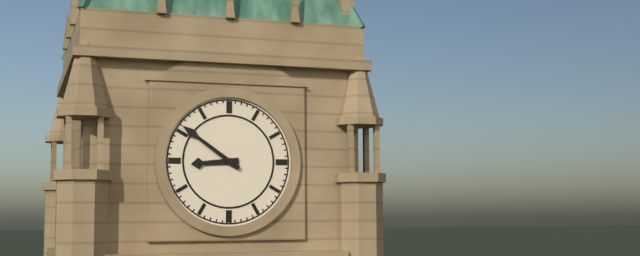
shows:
8,51
